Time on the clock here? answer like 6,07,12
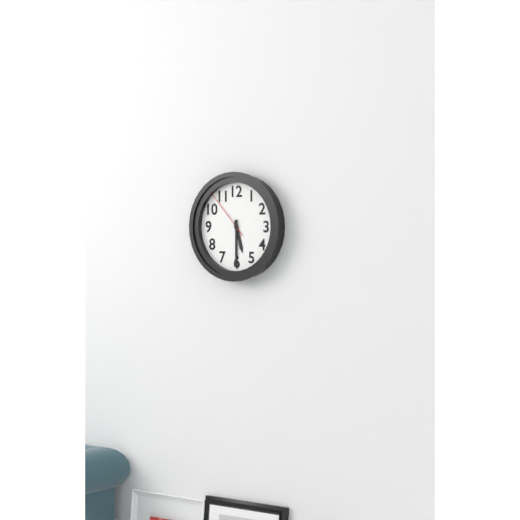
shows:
5,30,53
